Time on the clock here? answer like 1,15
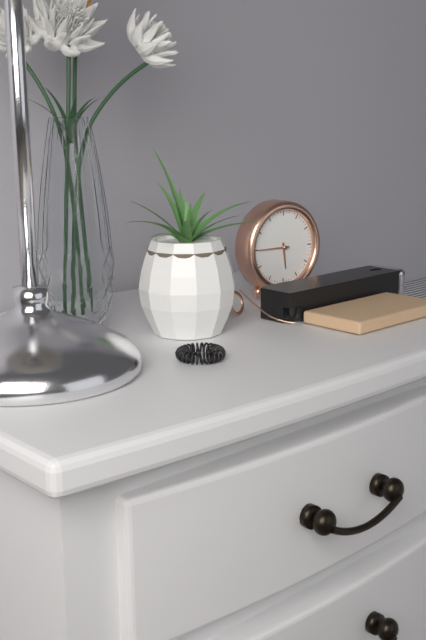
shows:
5,45
